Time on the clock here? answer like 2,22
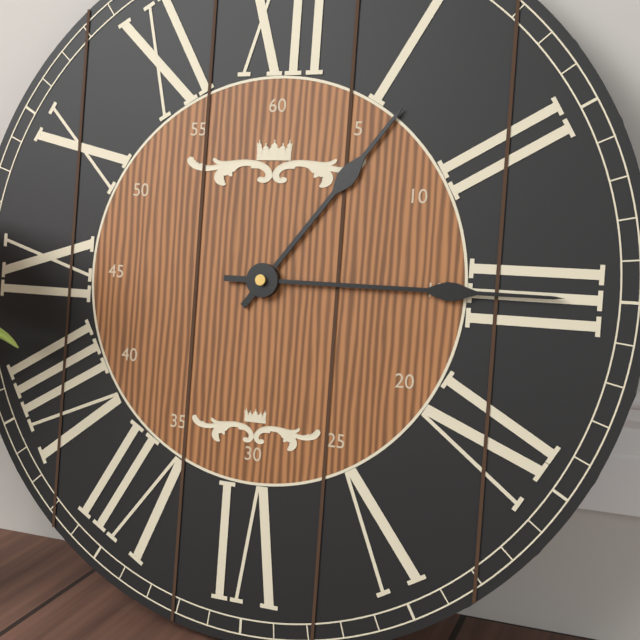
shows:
1,15
